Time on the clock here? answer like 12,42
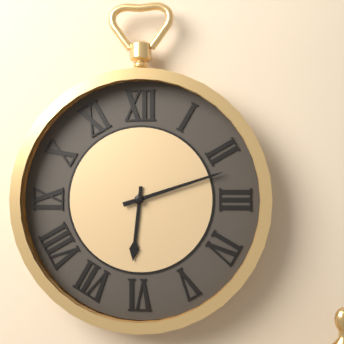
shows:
6,12
